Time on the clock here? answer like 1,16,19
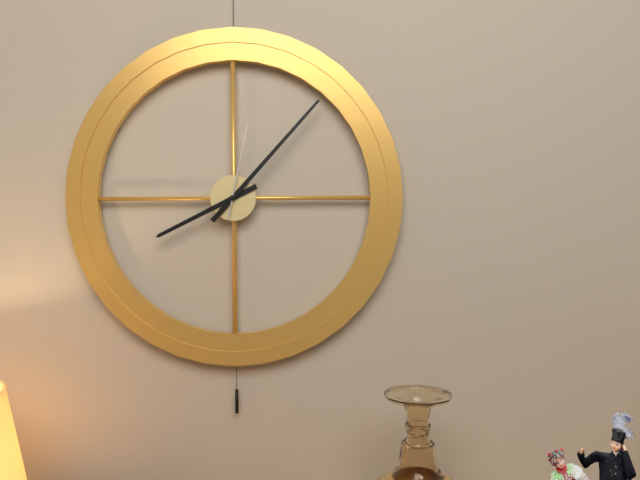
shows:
8,07,02
